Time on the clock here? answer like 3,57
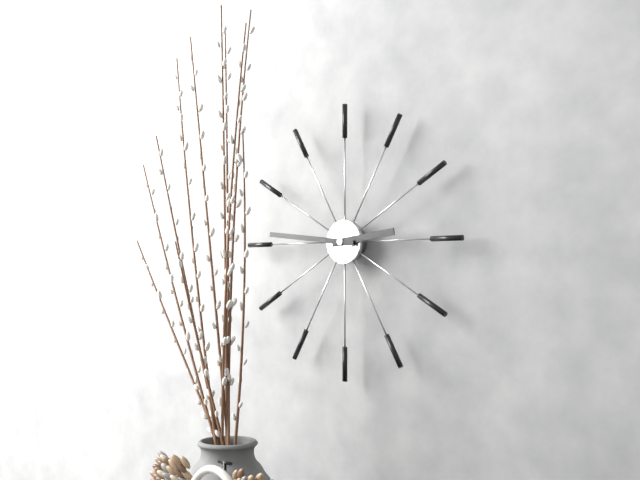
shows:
2,46
